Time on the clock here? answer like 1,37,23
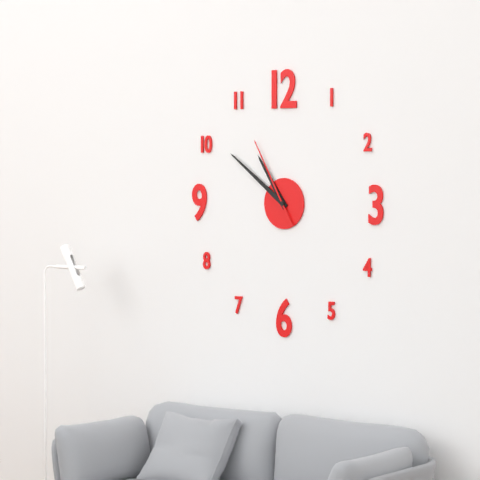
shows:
10,51,55
